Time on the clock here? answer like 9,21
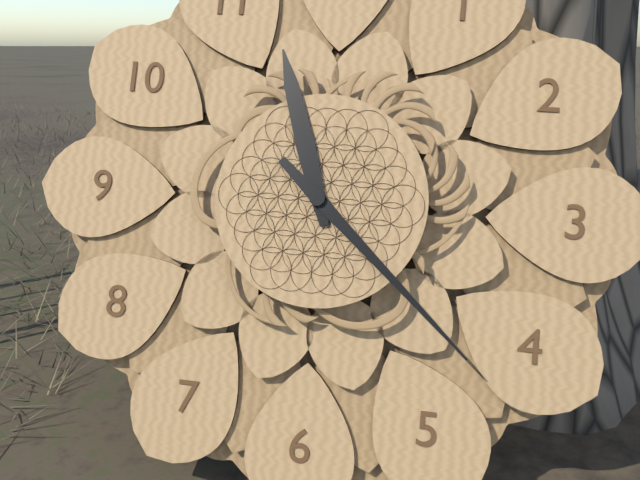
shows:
11,22
